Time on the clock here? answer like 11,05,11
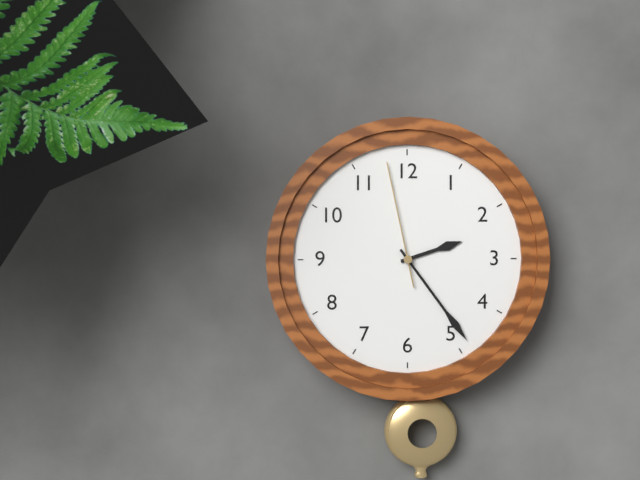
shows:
2,24,58
